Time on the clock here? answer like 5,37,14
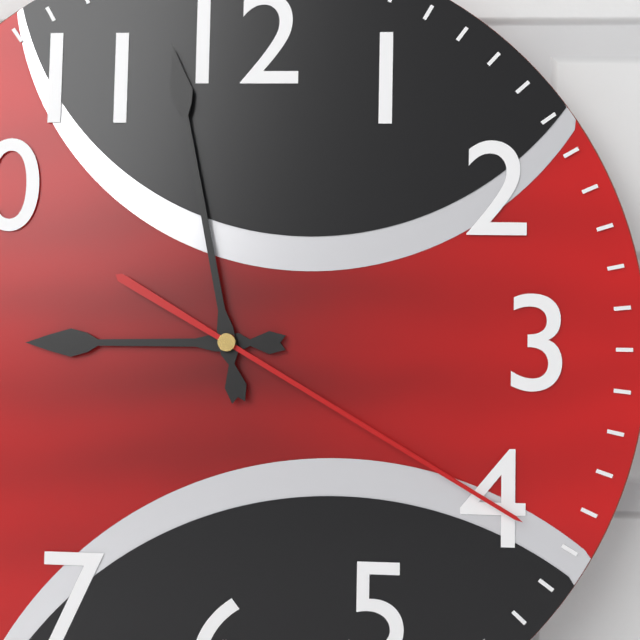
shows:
8,58,20
